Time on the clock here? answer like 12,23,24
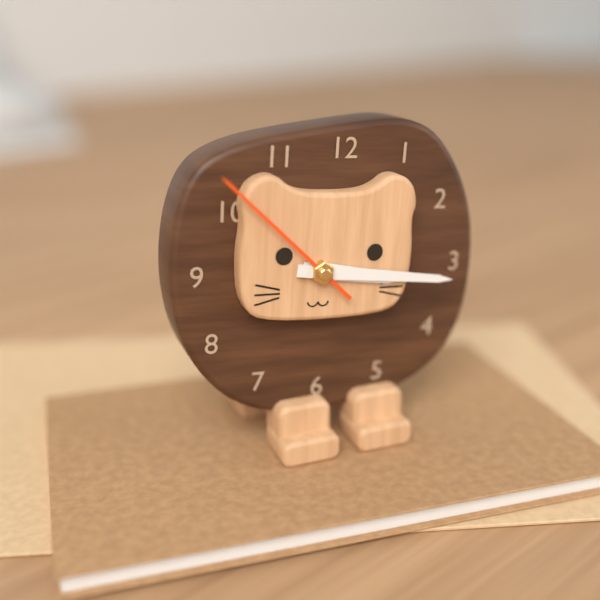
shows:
3,16,52
